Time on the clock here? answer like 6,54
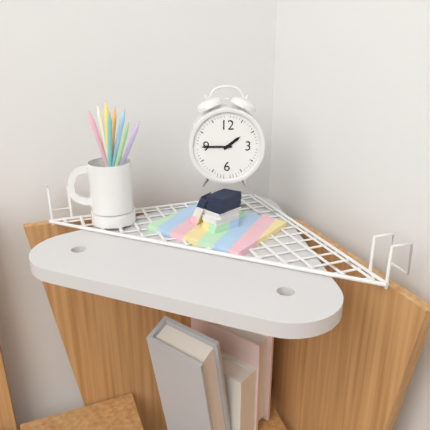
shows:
1,45
